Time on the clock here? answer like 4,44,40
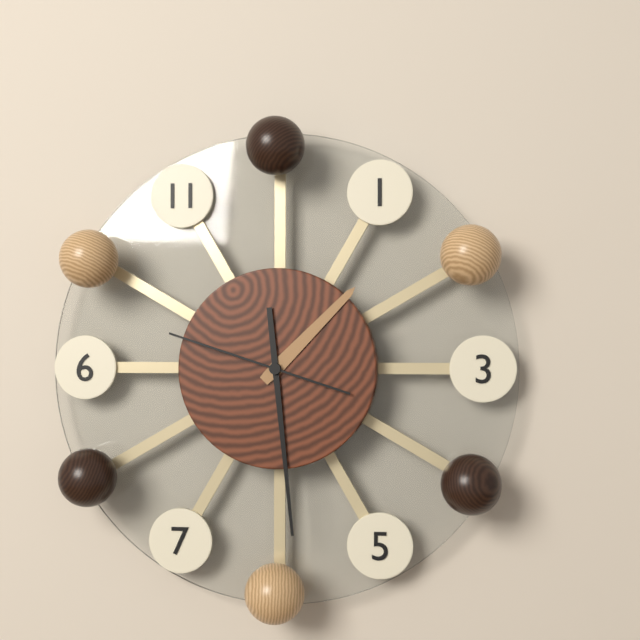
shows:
1,29,48
